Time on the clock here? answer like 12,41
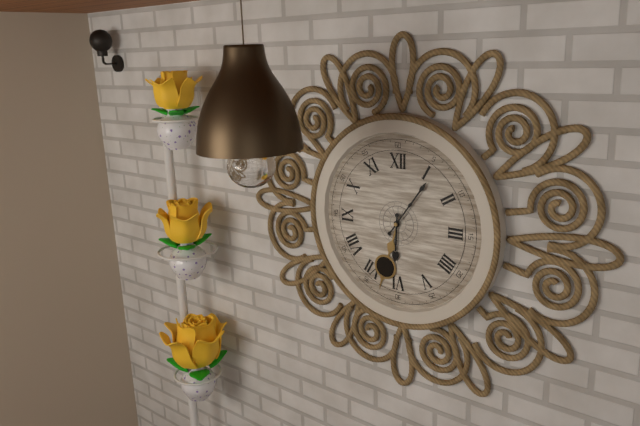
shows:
6,06
